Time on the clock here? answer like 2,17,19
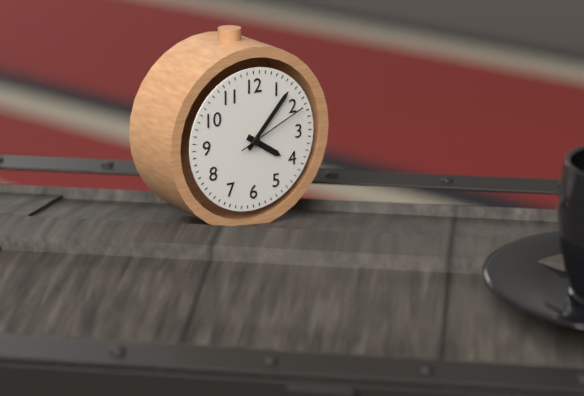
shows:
4,07,11
